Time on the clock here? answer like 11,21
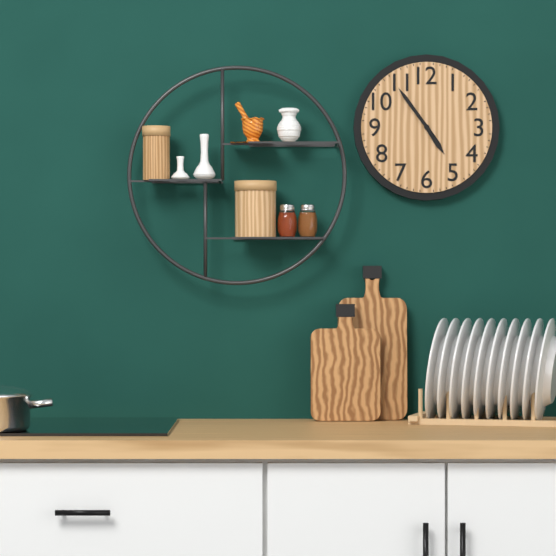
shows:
4,54
